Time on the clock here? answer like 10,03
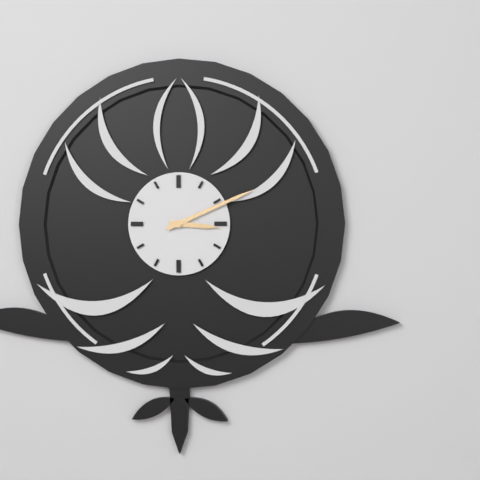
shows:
3,11
